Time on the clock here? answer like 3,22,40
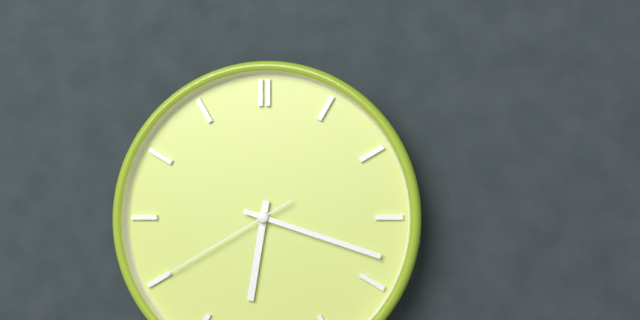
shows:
6,18,40
